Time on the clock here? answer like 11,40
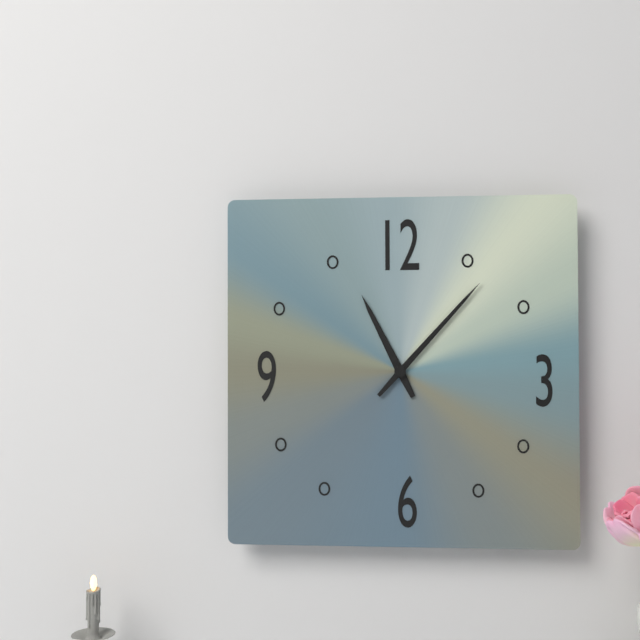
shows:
11,07
